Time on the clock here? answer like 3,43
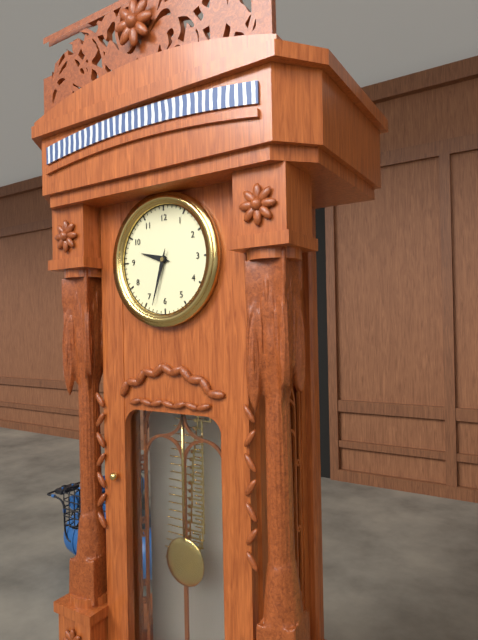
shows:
9,33
